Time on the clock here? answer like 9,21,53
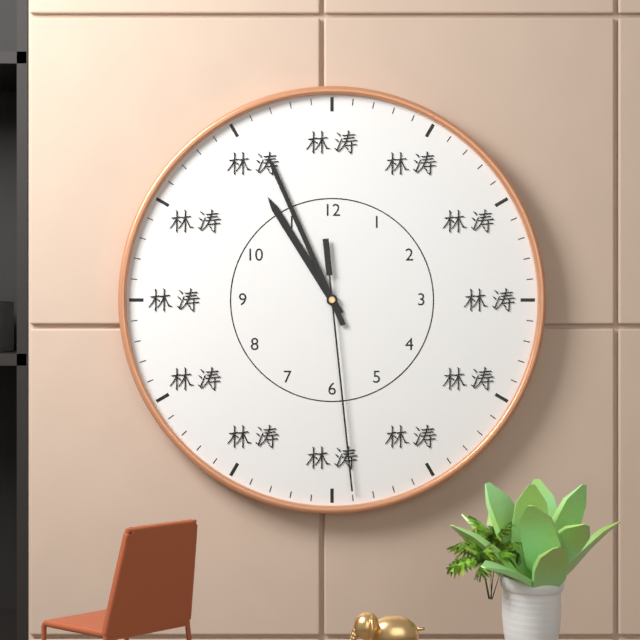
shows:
10,56,29
